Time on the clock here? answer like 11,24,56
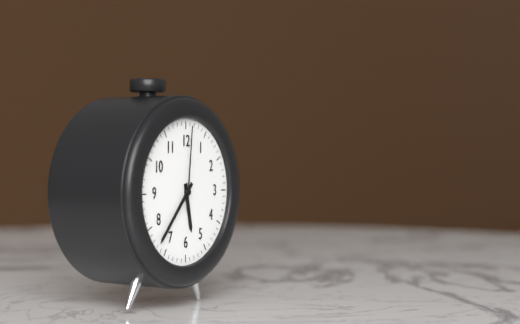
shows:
5,37,01
